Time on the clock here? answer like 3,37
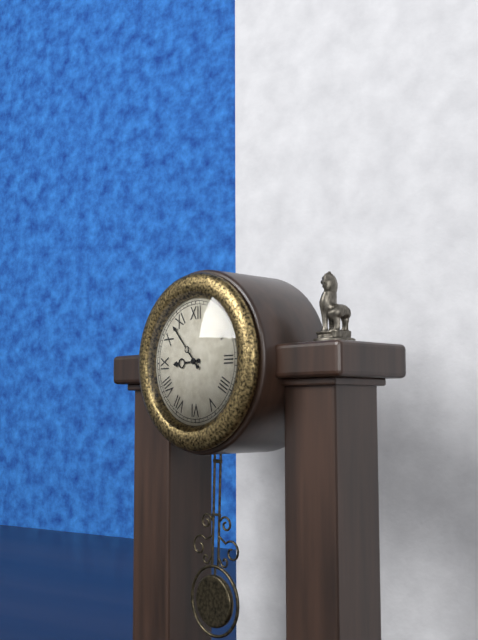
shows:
8,53
